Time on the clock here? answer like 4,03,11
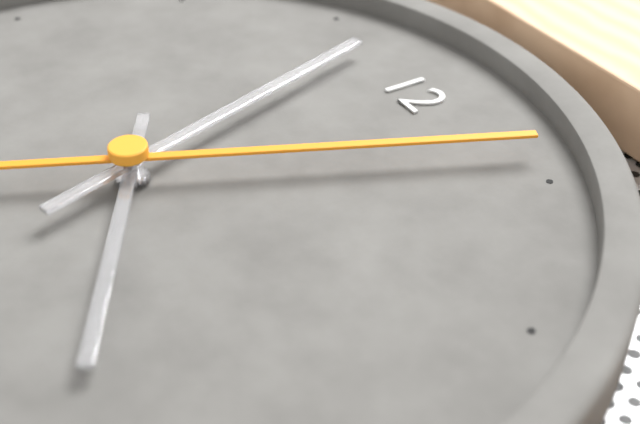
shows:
3,57,04
